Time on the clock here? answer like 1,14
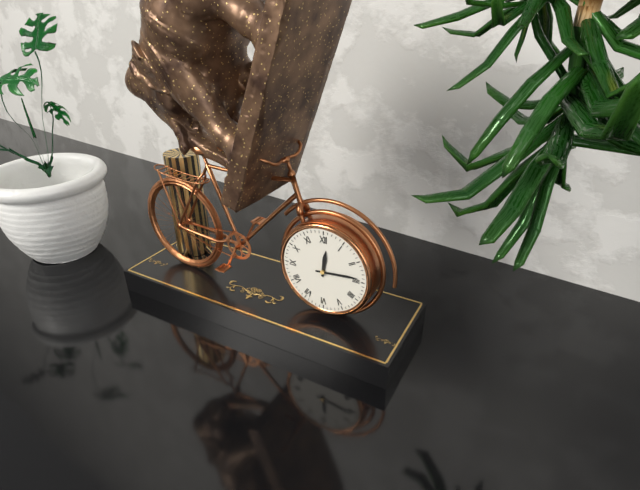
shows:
12,14
